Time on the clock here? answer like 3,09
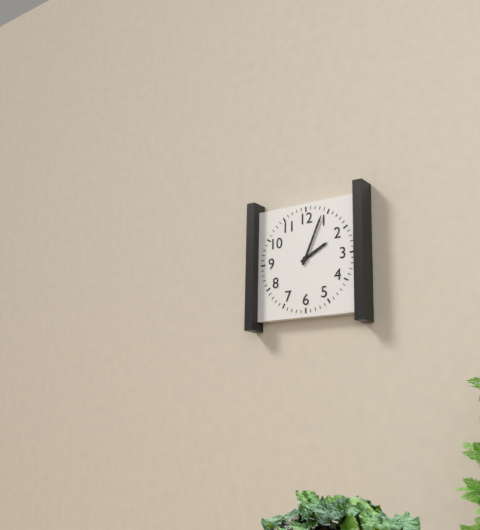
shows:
2,04
